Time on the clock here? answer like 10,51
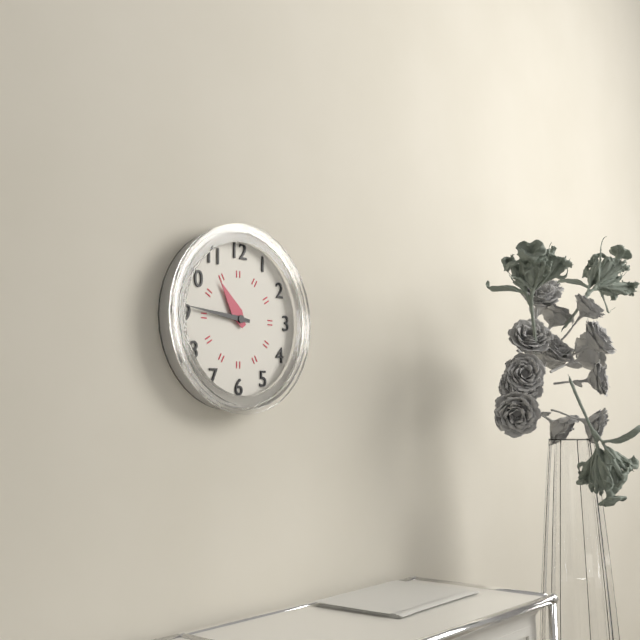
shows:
10,46
